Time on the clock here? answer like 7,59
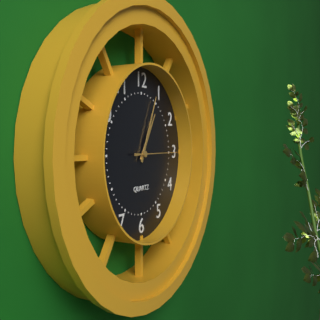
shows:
1,04
